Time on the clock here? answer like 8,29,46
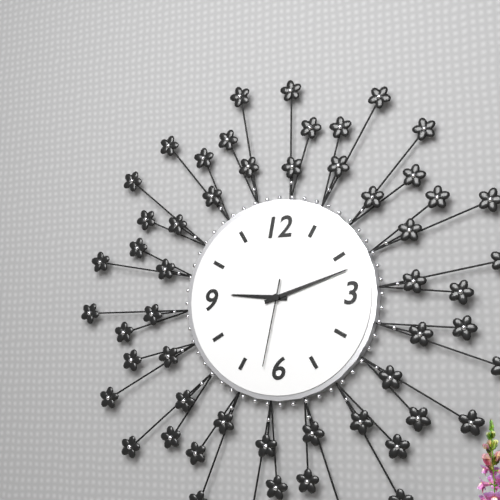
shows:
9,12,32
